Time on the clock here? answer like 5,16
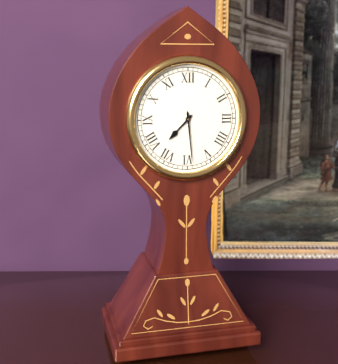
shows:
7,29
